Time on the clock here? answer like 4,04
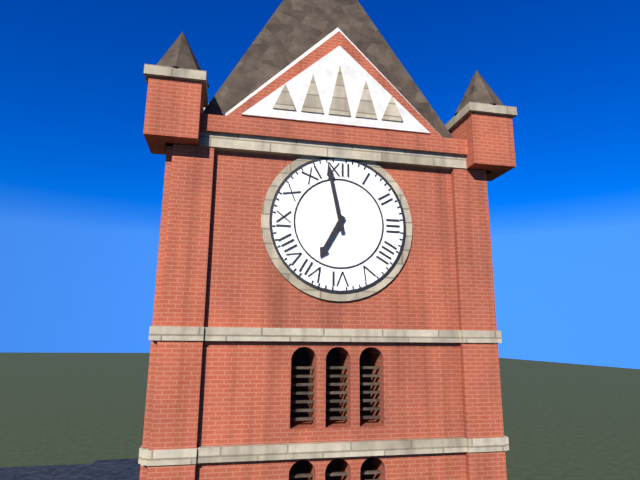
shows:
6,58
